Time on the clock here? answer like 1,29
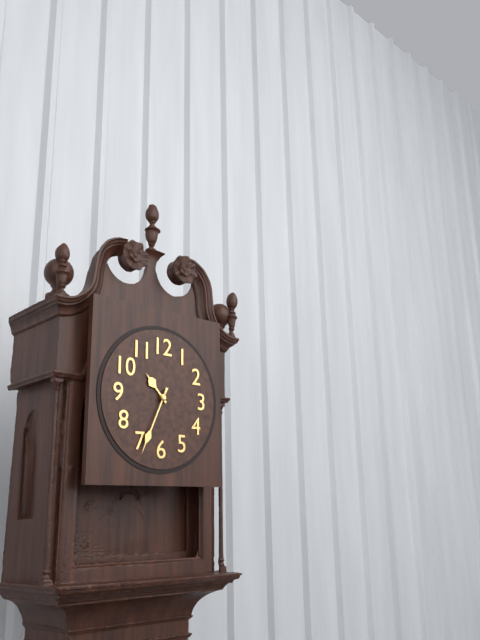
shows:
10,34
